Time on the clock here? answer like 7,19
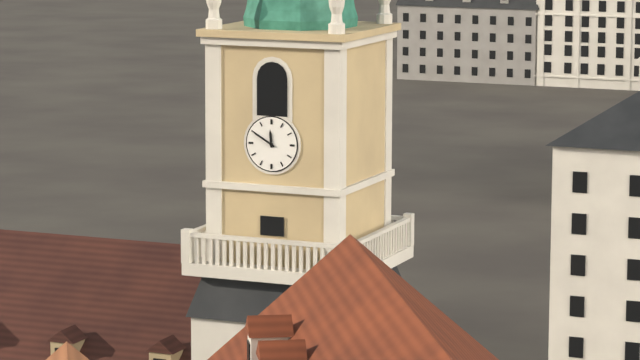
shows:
11,50
